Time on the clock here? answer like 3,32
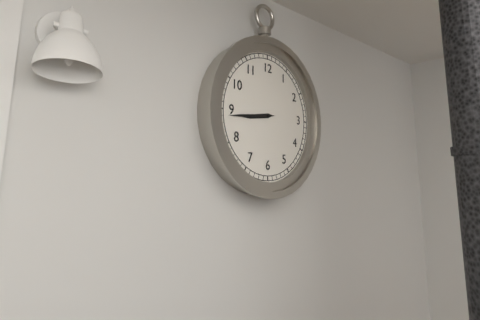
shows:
8,44
